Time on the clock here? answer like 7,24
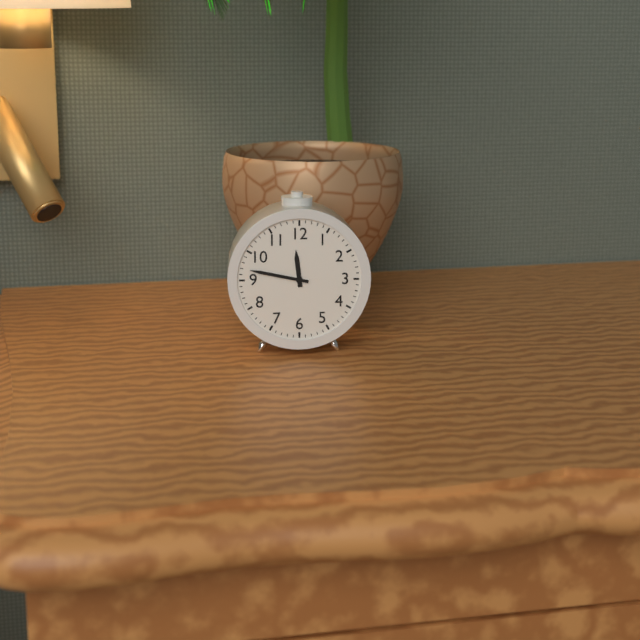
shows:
11,47
